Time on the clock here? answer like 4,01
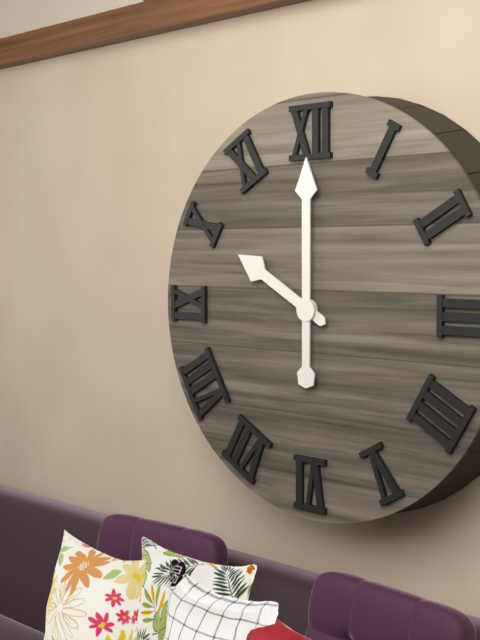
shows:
10,00
